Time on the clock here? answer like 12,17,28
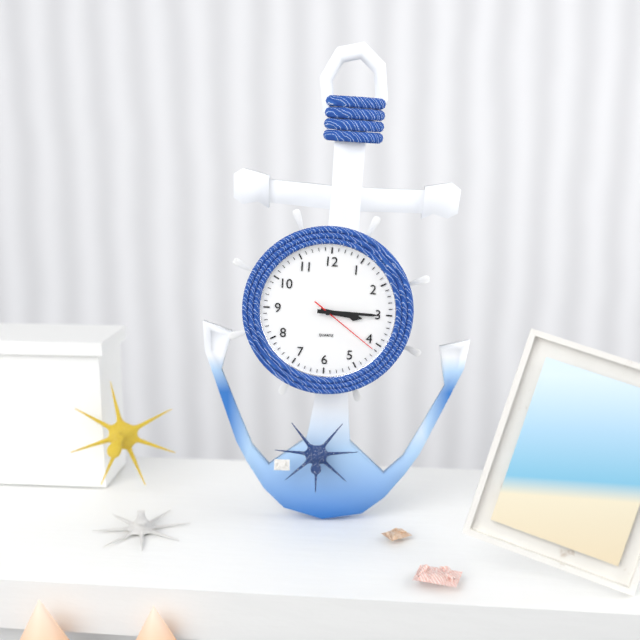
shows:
3,15,21
